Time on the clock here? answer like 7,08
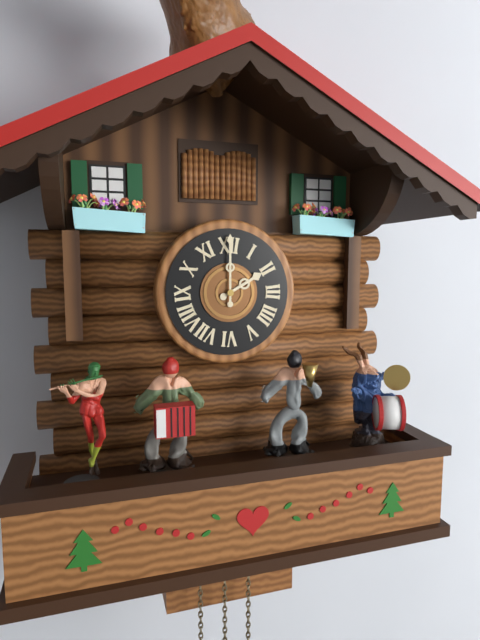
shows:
2,00
